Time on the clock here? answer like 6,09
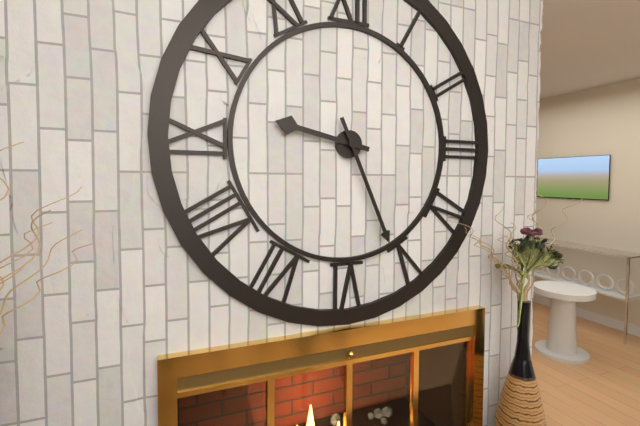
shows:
9,26
